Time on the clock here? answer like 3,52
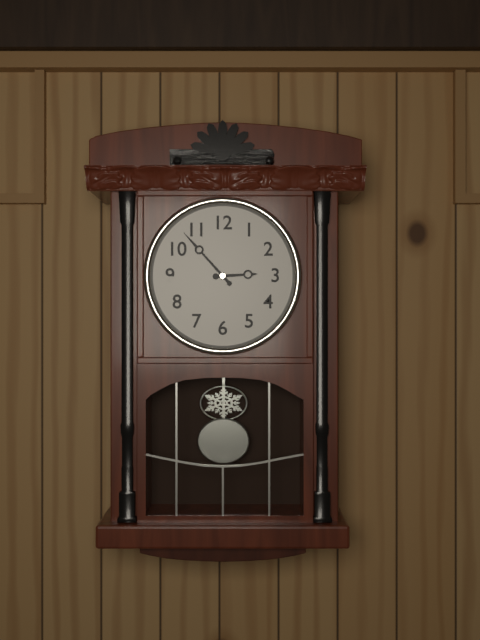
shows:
2,53
